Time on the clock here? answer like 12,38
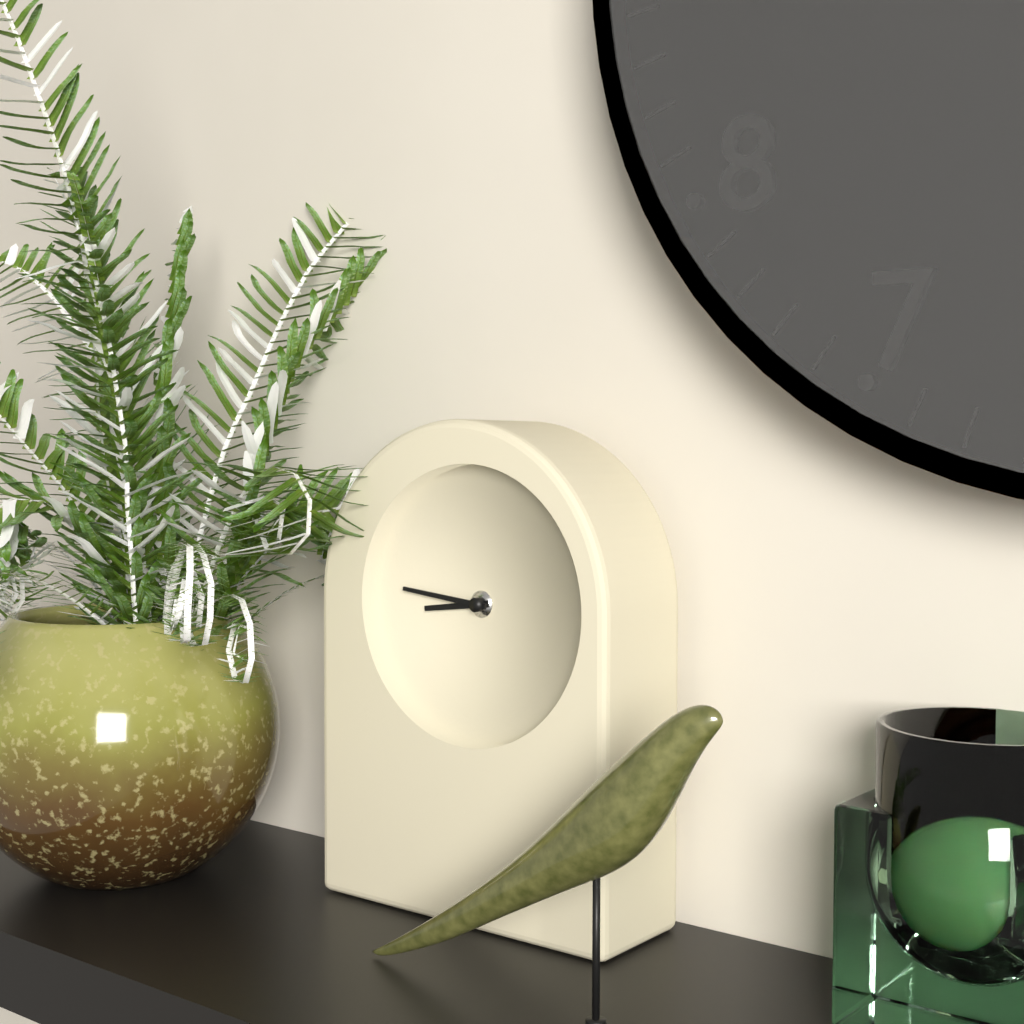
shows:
8,46
